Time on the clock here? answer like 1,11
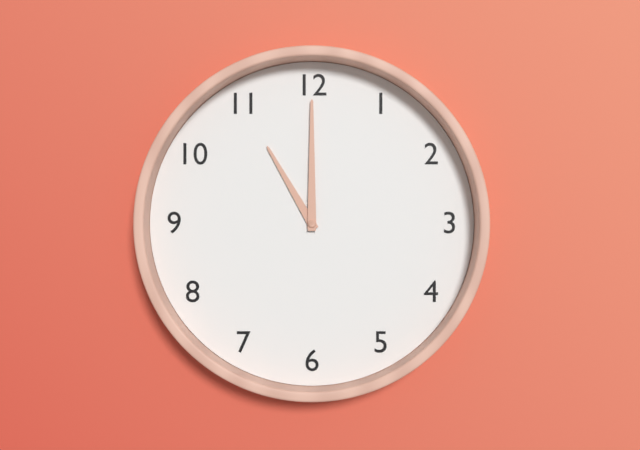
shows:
11,00
